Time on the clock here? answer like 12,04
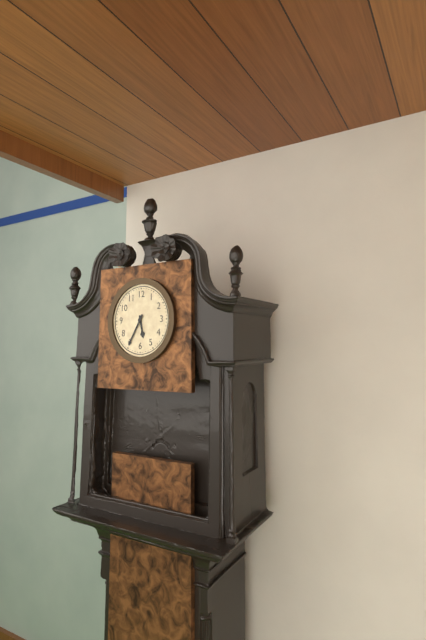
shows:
5,35
